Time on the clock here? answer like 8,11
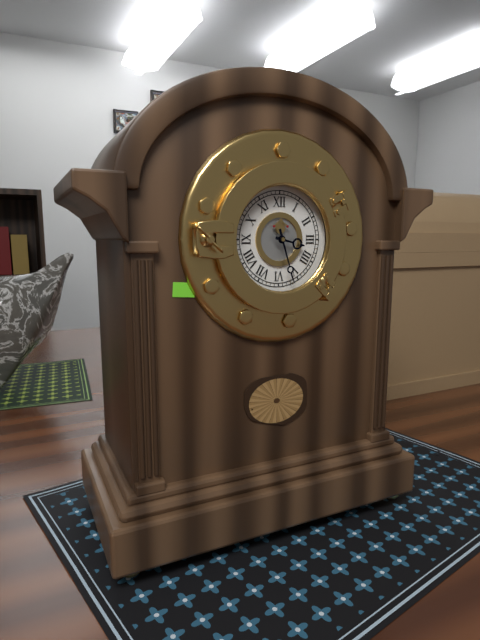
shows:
3,27
